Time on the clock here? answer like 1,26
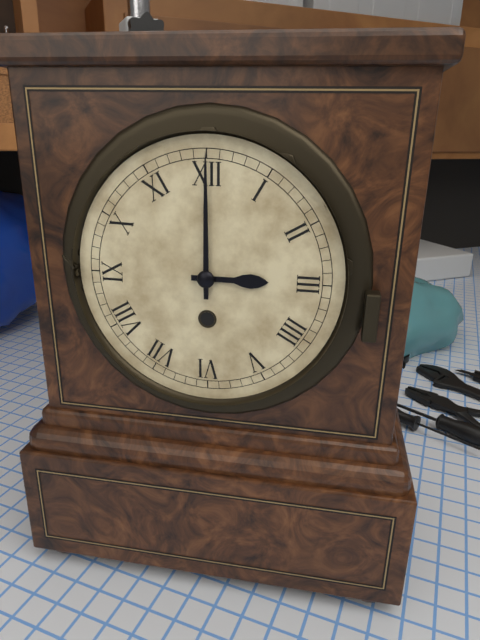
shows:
3,00
